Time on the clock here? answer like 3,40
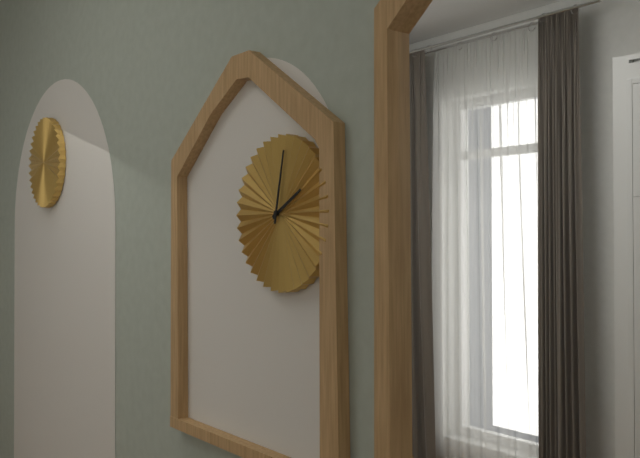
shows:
2,02
